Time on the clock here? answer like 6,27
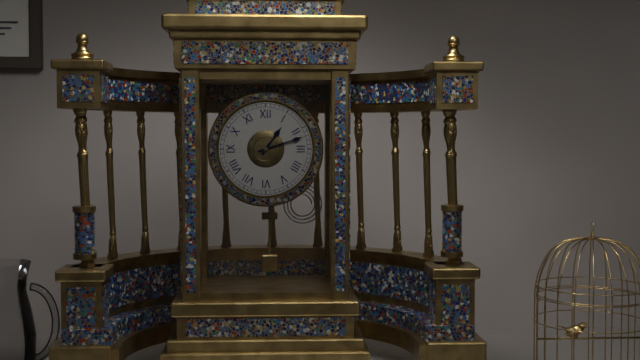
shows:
1,12
